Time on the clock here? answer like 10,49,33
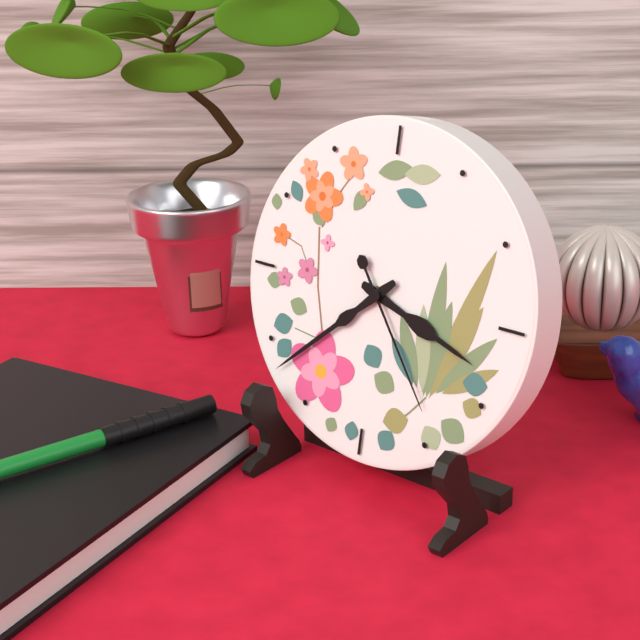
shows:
3,38,24
